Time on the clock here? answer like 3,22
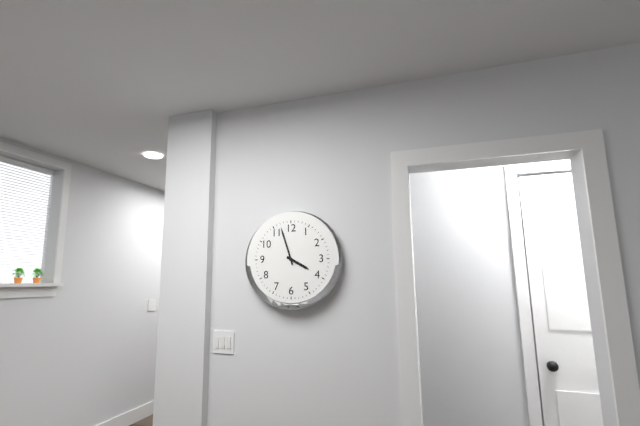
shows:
3,57
